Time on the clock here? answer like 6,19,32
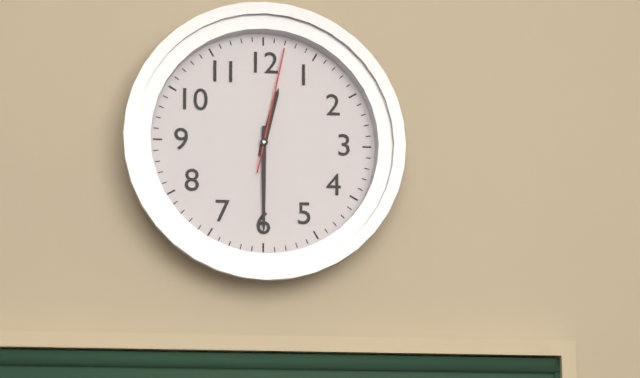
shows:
12,30,02
